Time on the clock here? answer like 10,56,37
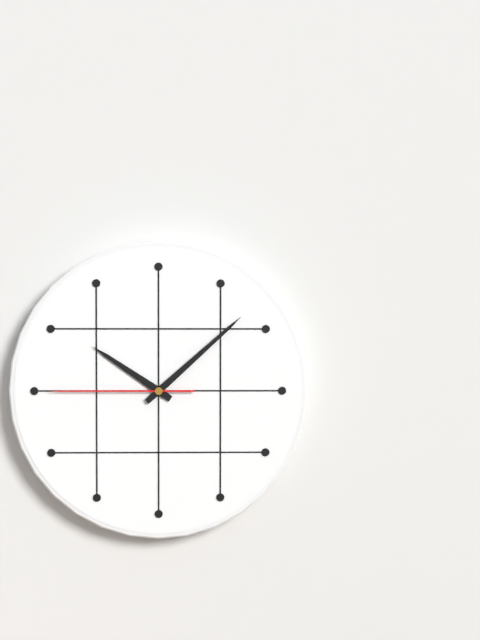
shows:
10,08,45
